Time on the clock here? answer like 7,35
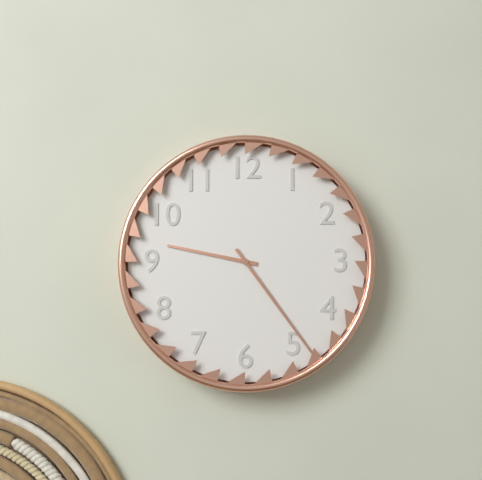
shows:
9,24
